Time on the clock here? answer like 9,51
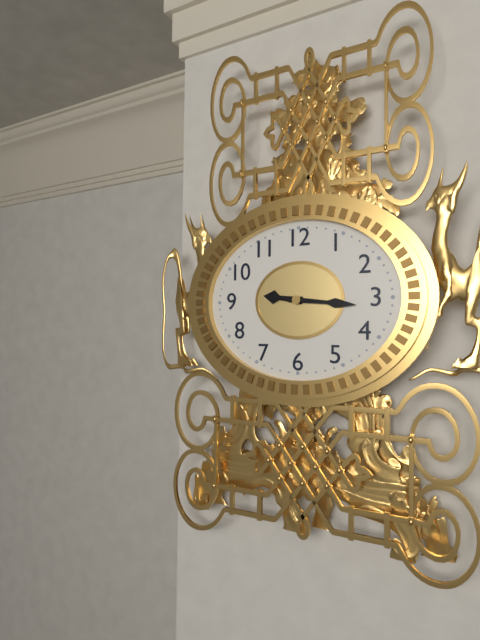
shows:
9,16
